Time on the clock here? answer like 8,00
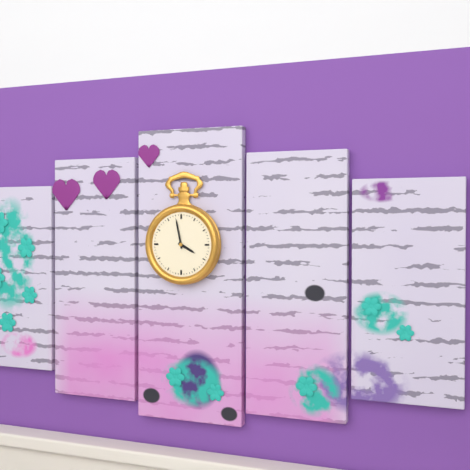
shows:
3,58
